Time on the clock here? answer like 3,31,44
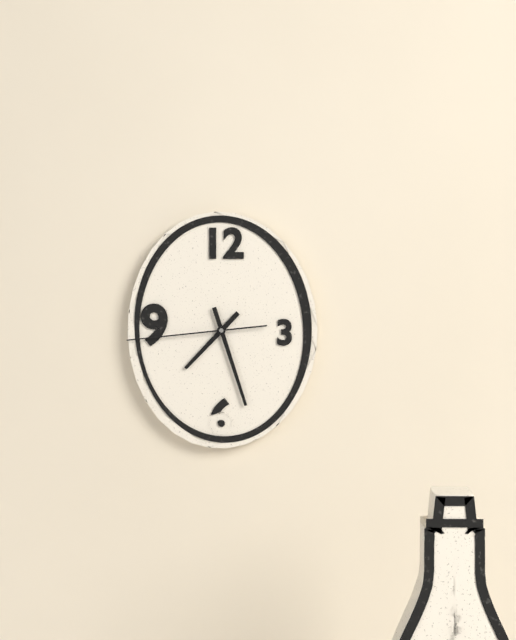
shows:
7,27,44
